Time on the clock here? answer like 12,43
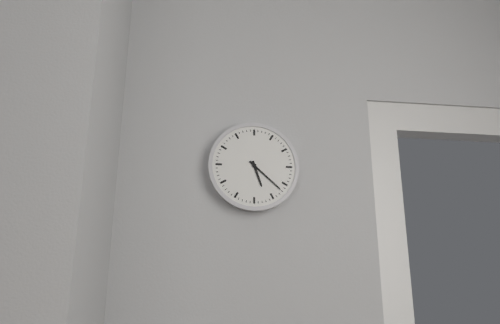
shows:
5,22
